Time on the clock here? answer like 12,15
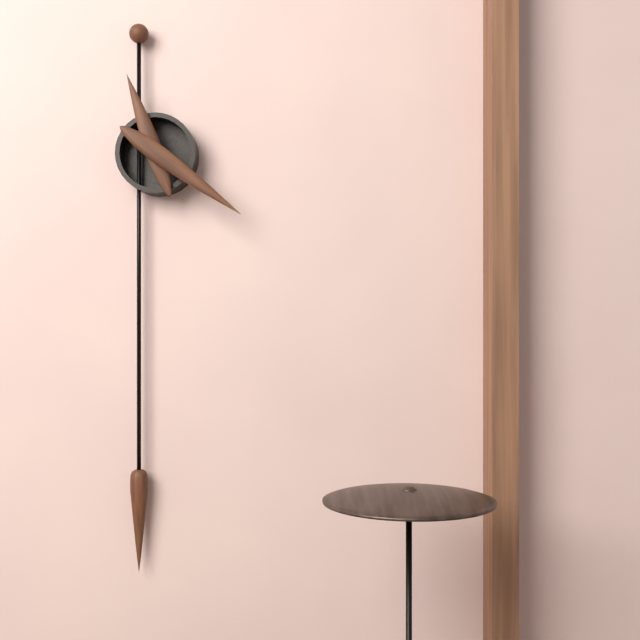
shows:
11,21
